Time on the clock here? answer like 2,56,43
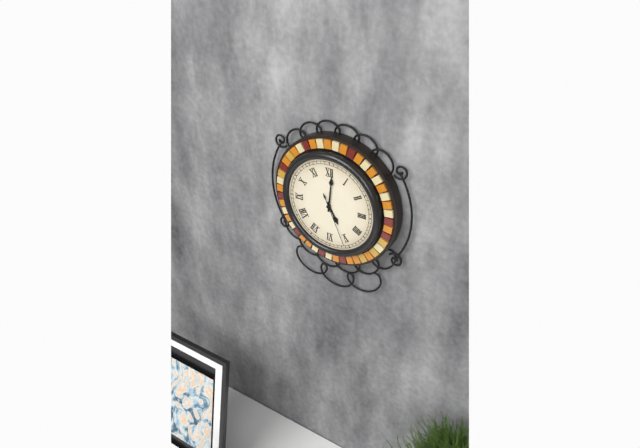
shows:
5,01,26
